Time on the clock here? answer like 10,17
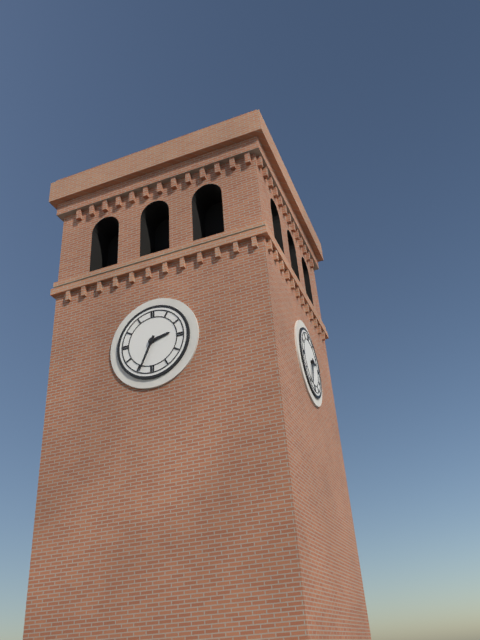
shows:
2,34
